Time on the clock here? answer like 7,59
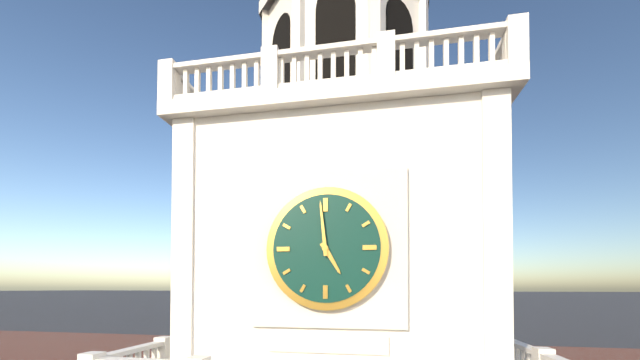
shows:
4,59
